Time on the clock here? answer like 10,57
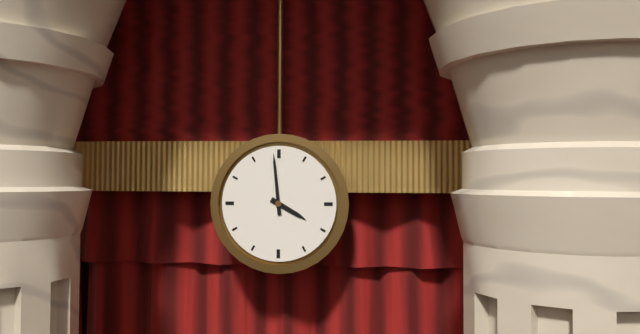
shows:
3,59
